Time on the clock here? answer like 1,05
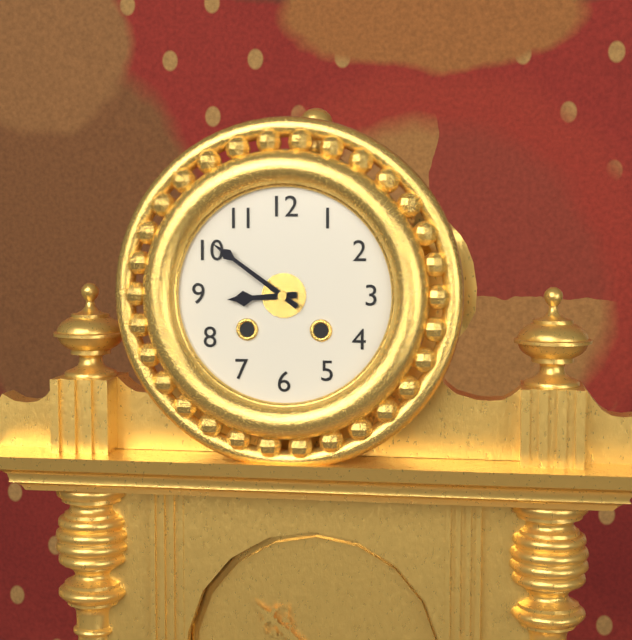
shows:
8,51
